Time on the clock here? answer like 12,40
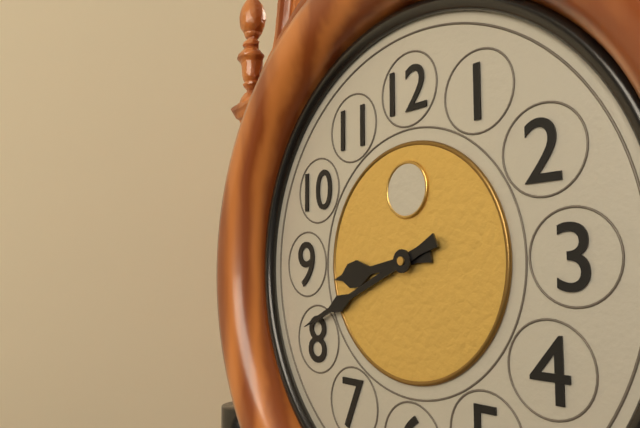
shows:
8,41
